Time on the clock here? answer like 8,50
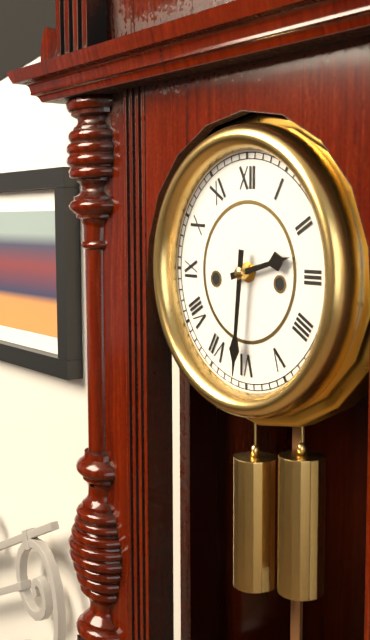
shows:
2,31
